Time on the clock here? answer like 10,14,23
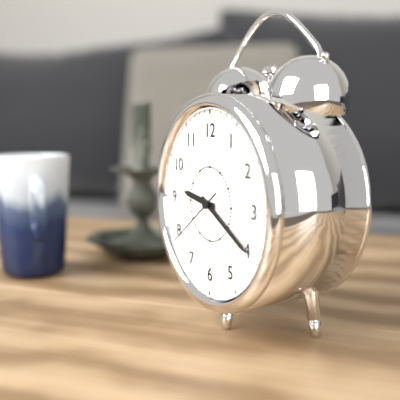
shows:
9,20,39
